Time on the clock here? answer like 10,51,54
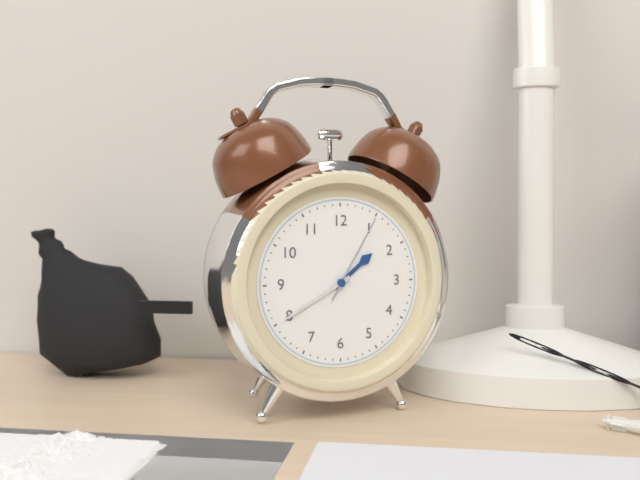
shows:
1,40,05
